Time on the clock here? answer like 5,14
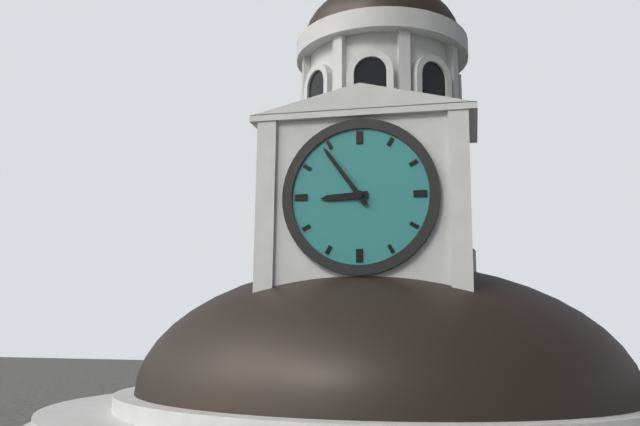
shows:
8,54
